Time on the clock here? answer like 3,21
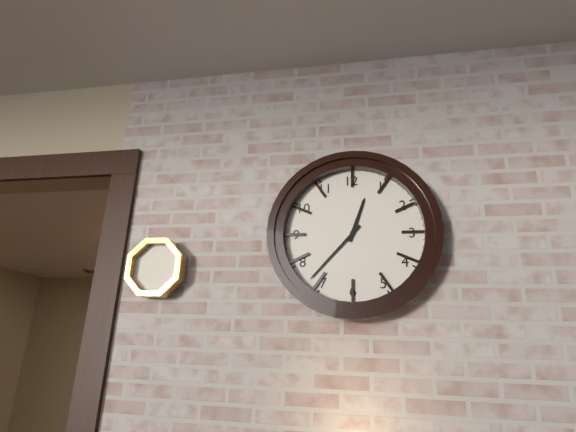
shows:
12,37
